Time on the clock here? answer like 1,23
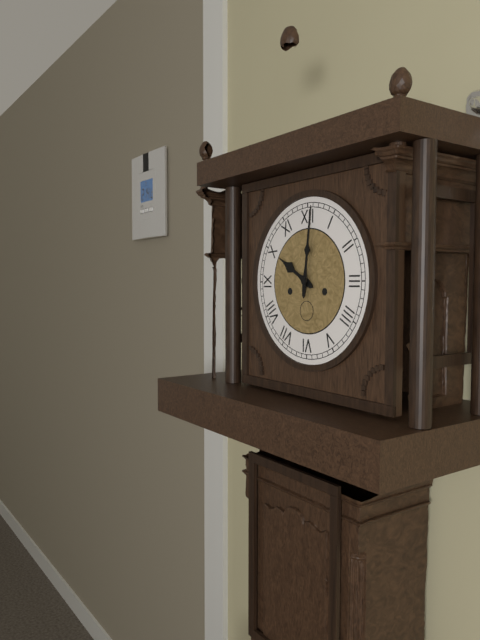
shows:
10,01
